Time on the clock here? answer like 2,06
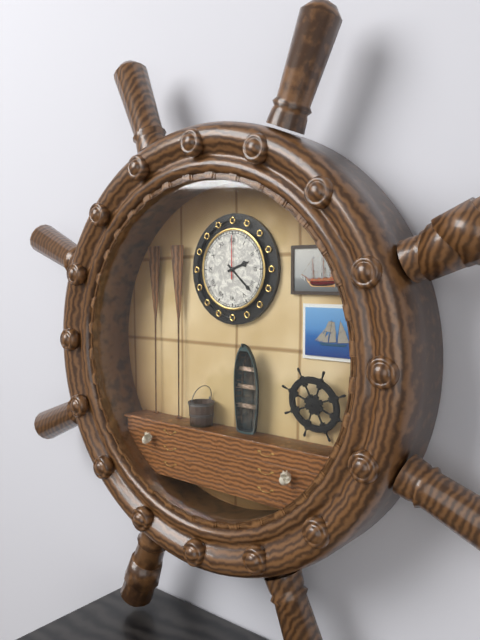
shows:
2,22
